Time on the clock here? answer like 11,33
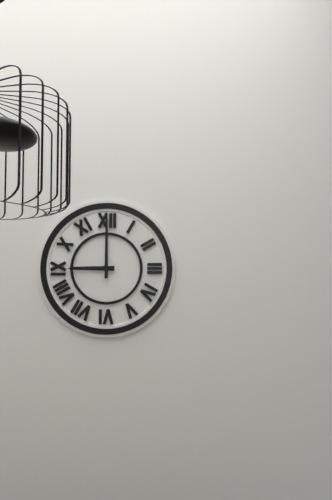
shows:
9,00
